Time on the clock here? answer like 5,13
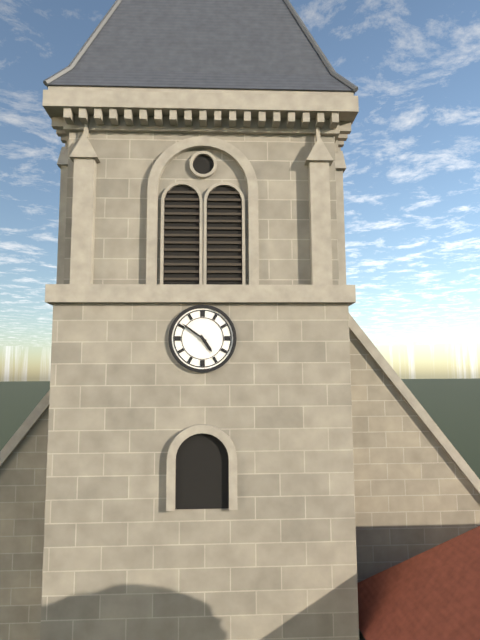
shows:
4,51
